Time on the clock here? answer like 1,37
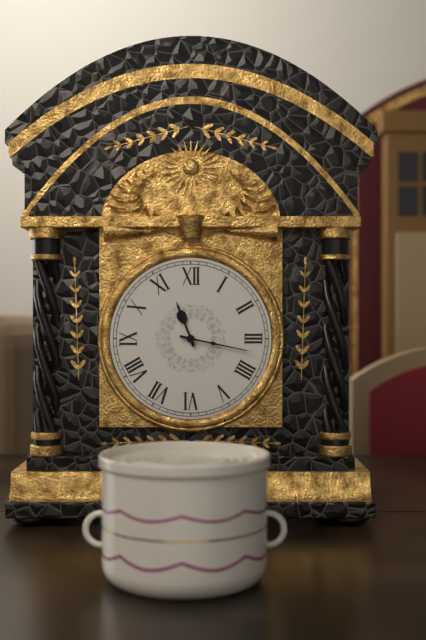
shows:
11,17
